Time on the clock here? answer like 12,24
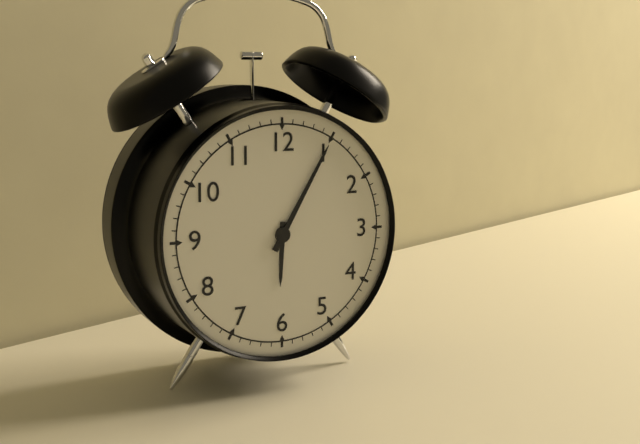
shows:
6,05
